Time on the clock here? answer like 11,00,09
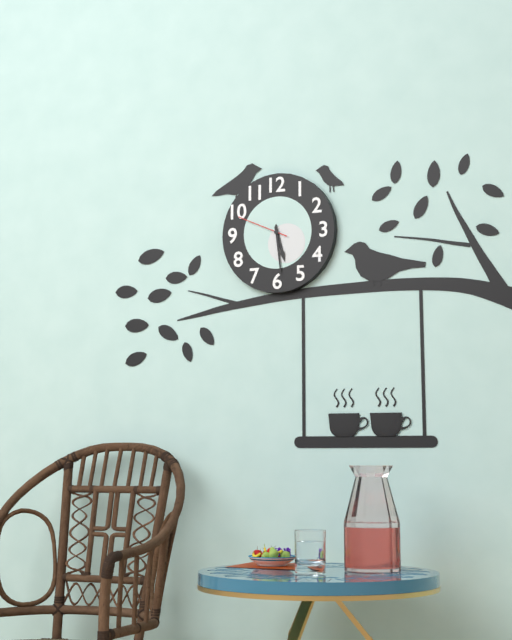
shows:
5,29,49
